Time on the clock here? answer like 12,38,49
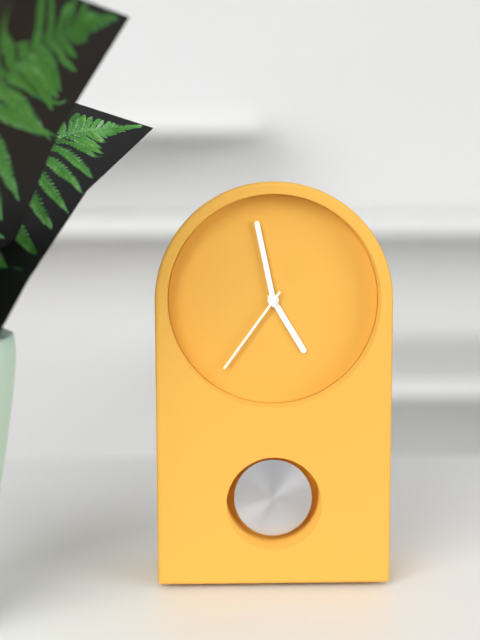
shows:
4,58,36
